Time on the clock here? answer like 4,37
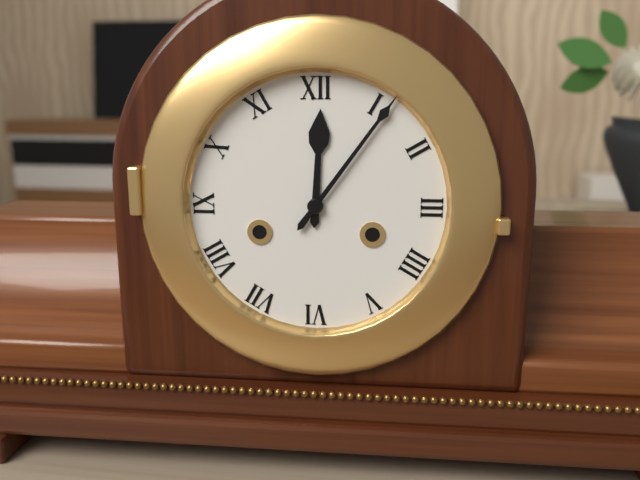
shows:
12,06
